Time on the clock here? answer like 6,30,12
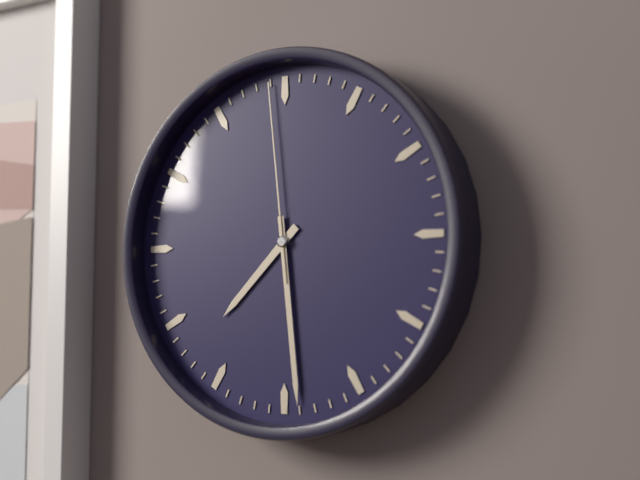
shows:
7,29,59
